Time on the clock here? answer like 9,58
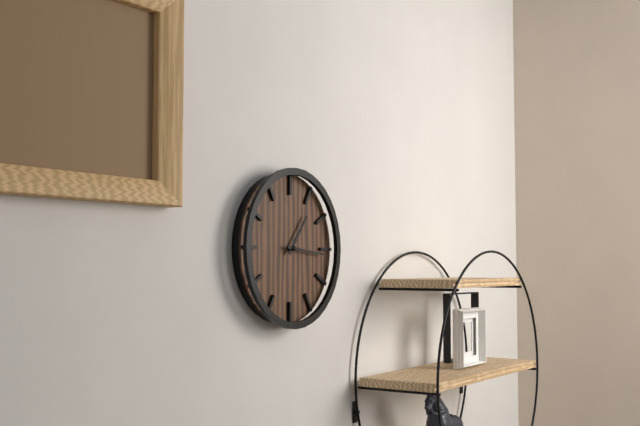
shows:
1,16
